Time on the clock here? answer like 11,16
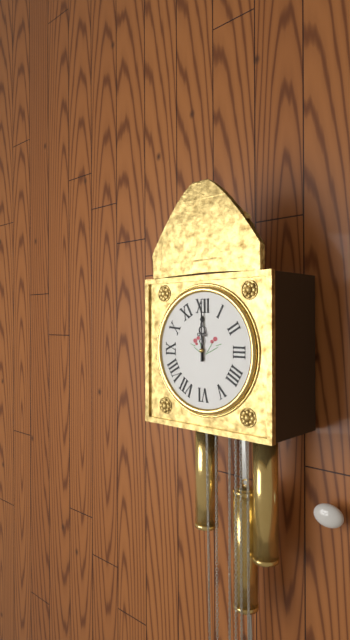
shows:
12,00
